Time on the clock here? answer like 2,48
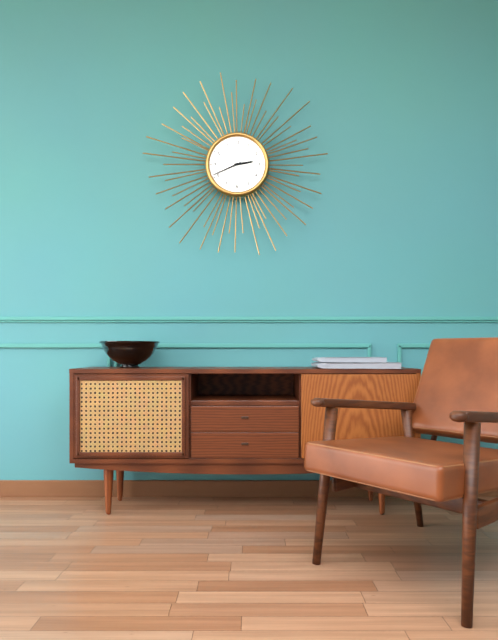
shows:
2,41
